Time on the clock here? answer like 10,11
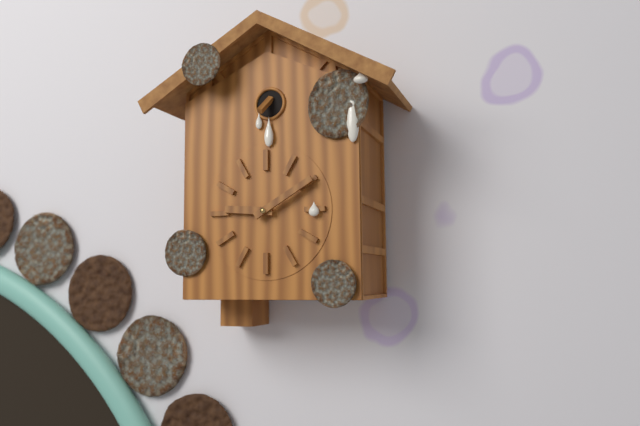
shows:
9,10
